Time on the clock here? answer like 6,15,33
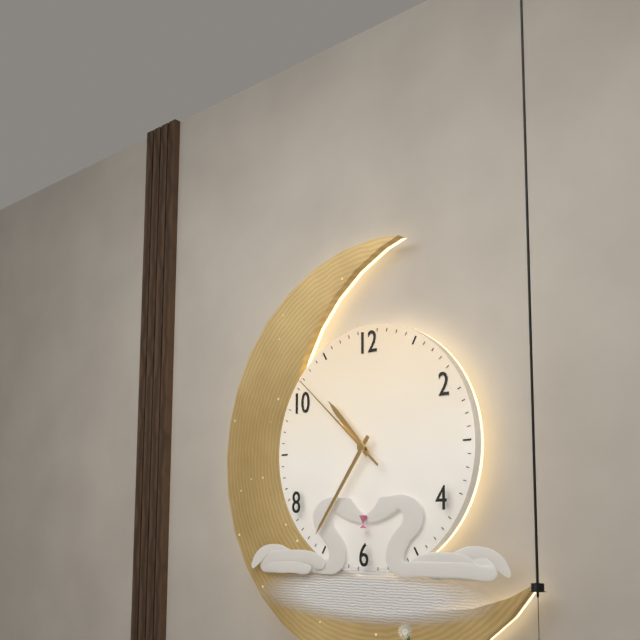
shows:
10,36,52
